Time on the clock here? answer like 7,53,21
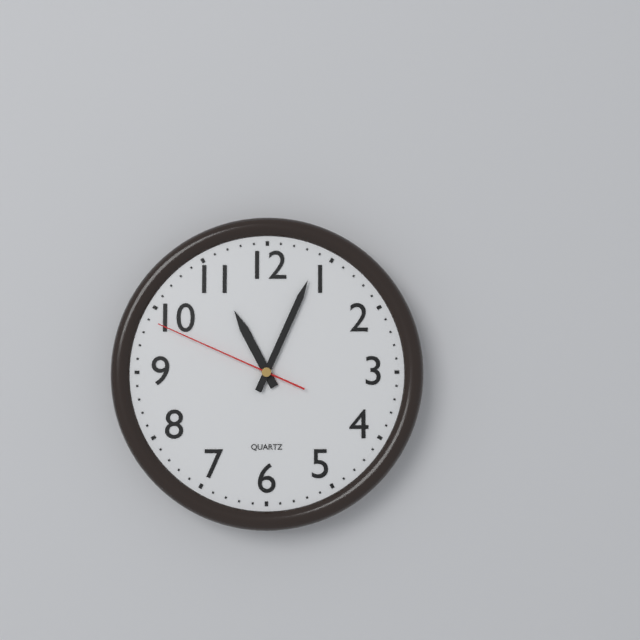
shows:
11,04,49
